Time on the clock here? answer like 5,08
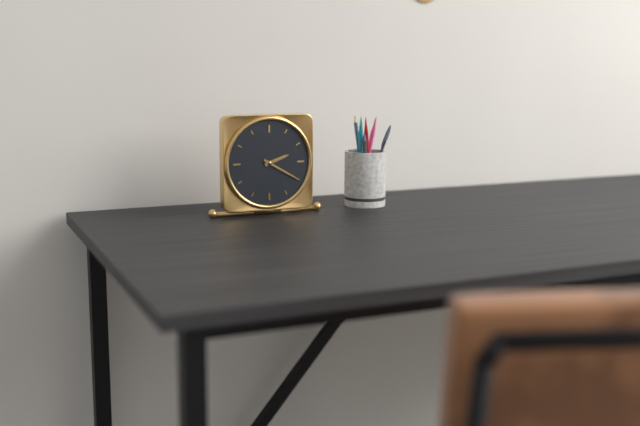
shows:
2,20
